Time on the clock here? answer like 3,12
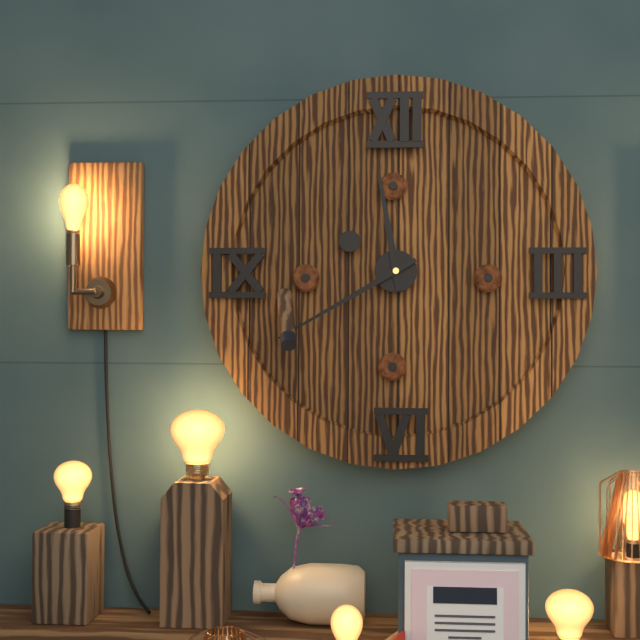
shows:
11,40
